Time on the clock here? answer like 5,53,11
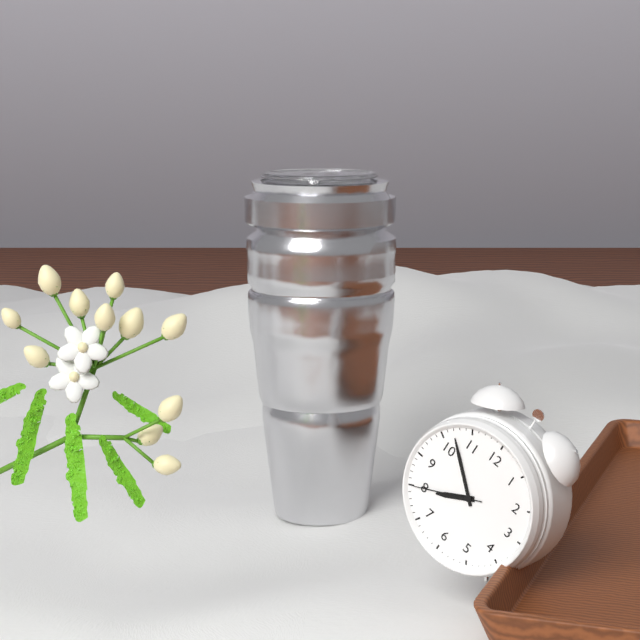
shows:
7,52,40
